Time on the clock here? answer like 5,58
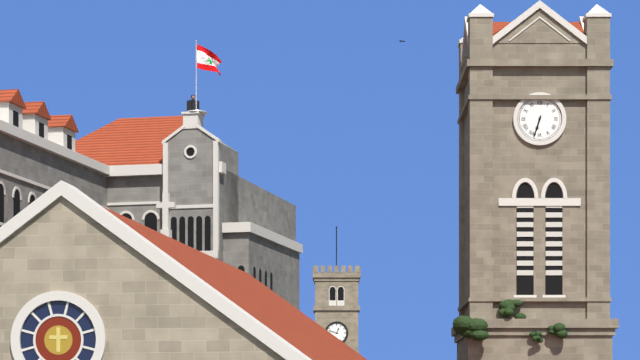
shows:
6,33
